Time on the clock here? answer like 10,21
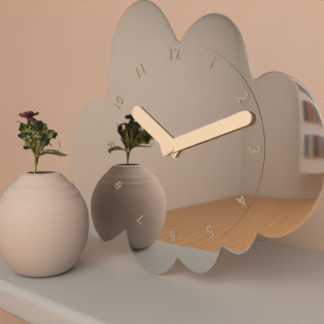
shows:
10,12
